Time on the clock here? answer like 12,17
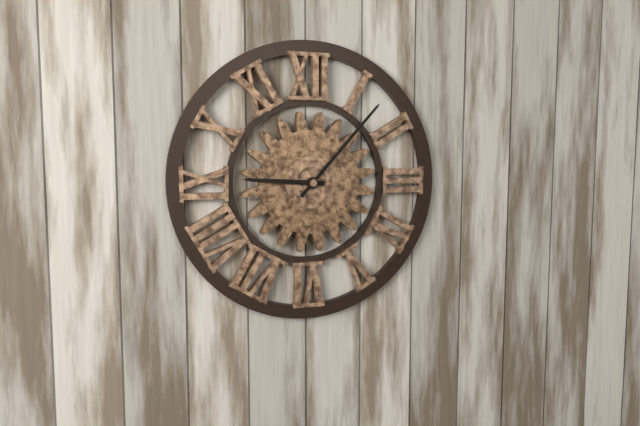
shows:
9,07
